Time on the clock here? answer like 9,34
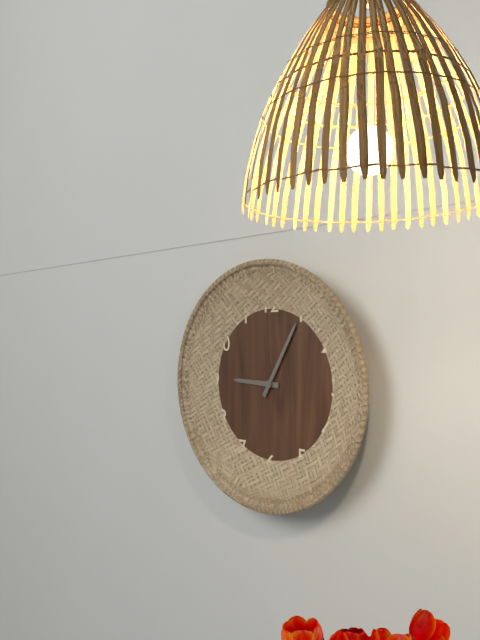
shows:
9,05
